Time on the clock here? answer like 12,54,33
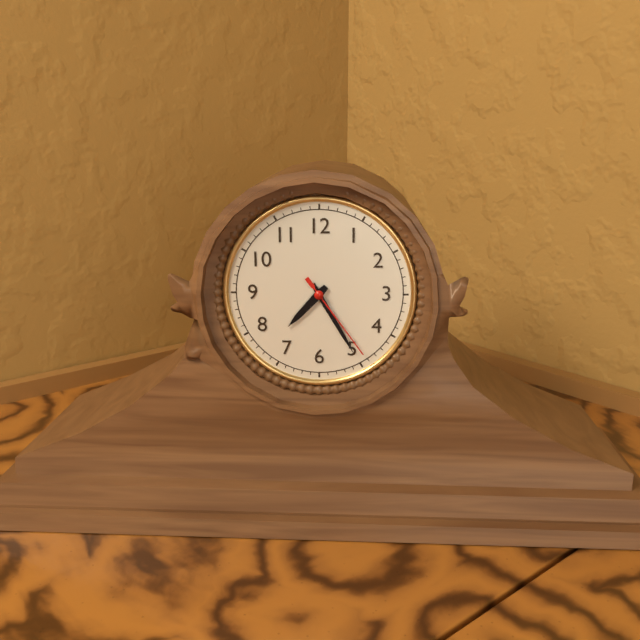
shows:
7,25,24
